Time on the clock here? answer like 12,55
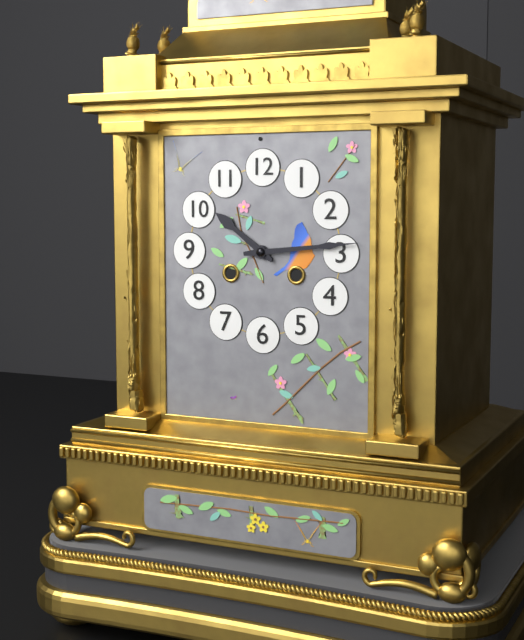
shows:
10,14
